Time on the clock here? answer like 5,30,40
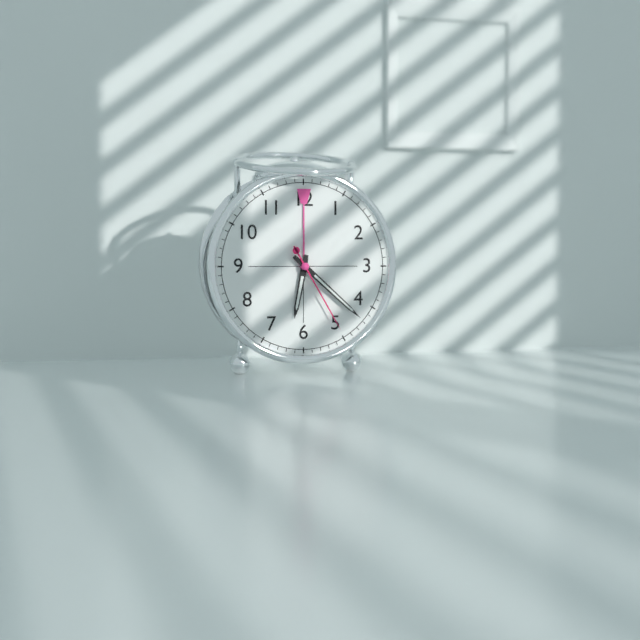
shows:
6,22,25
